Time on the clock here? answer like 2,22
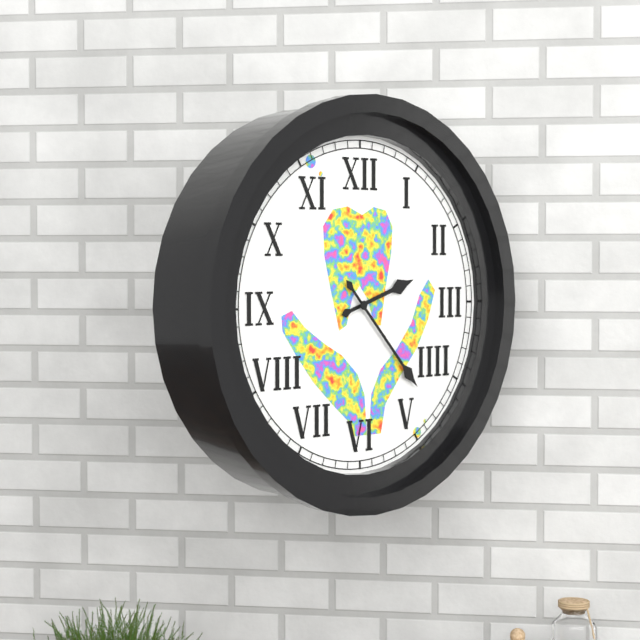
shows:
2,23
